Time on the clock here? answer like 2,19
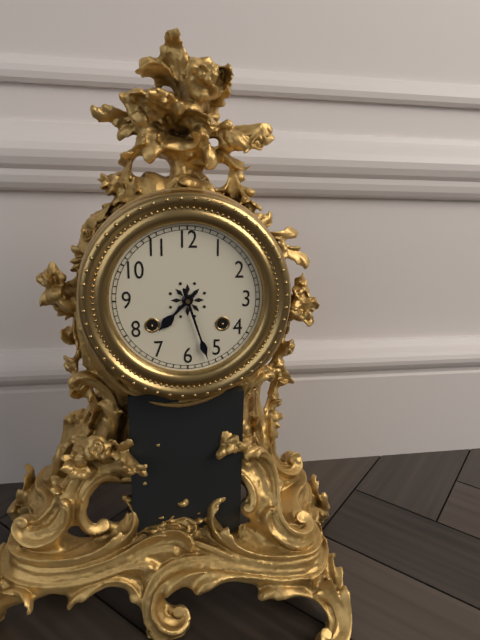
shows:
7,27
